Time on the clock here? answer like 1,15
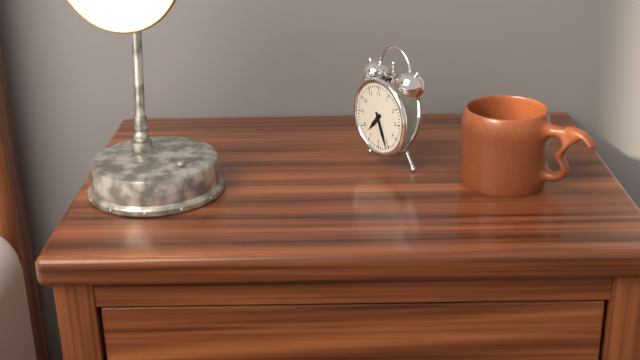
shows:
7,26
